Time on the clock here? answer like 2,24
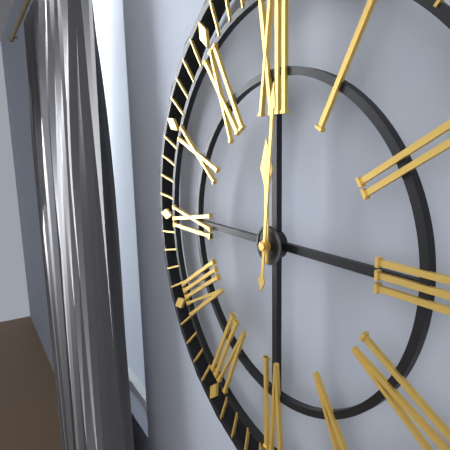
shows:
12,01
